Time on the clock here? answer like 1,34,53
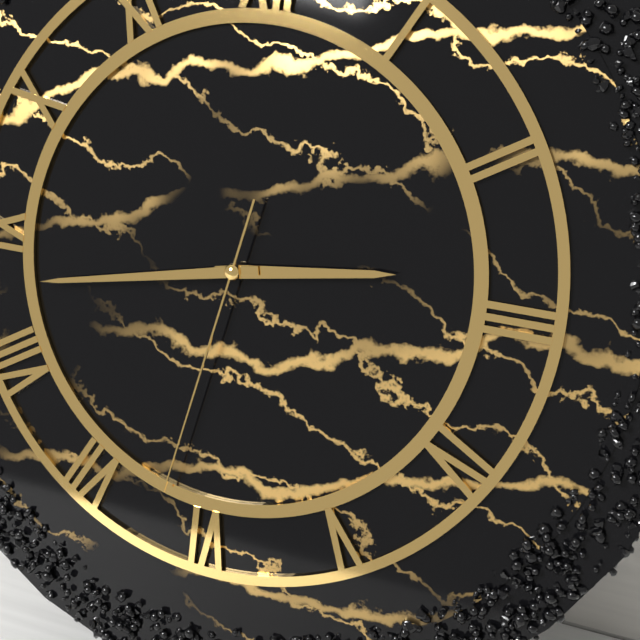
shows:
2,43,32
